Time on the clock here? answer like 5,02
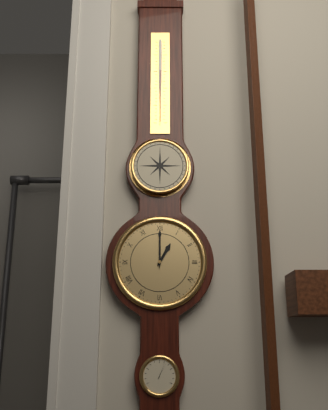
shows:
1,00
